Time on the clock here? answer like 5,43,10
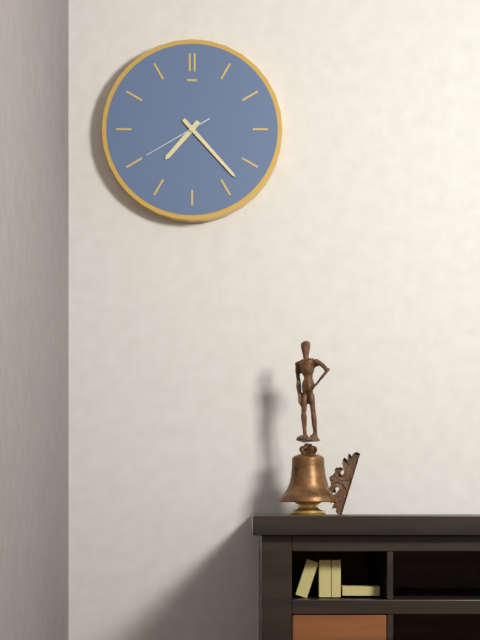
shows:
7,23,40
